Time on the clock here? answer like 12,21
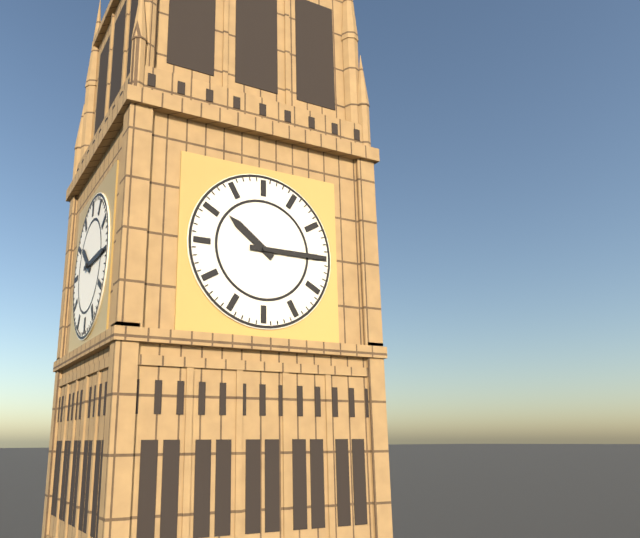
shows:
10,15
